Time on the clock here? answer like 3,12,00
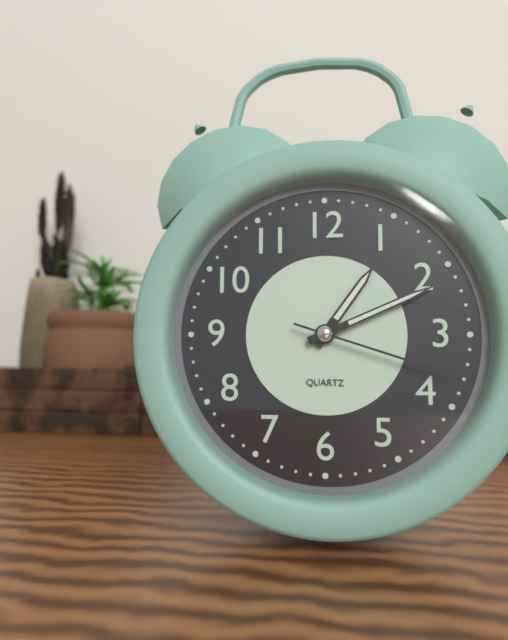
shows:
1,11,18
